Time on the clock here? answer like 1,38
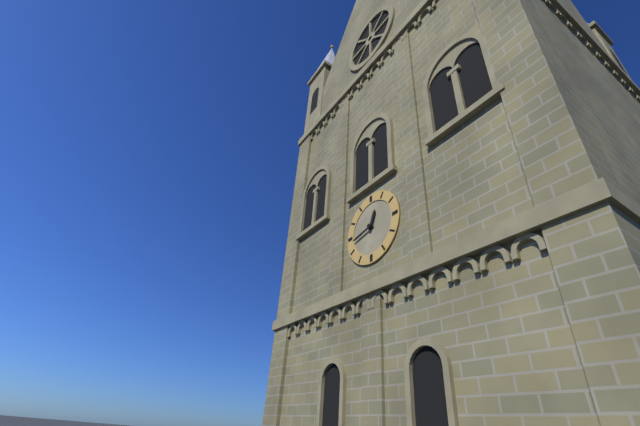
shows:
12,43
